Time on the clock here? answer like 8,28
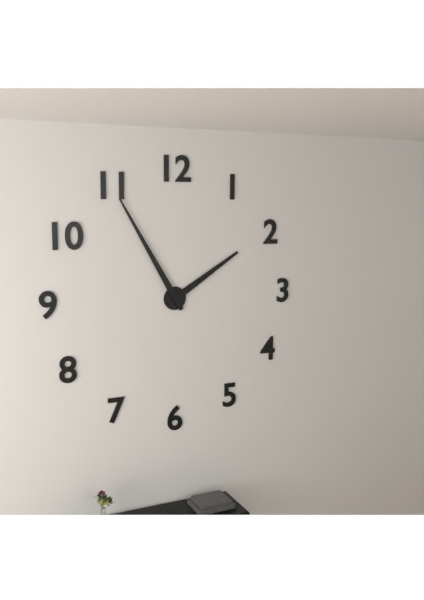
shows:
1,55
